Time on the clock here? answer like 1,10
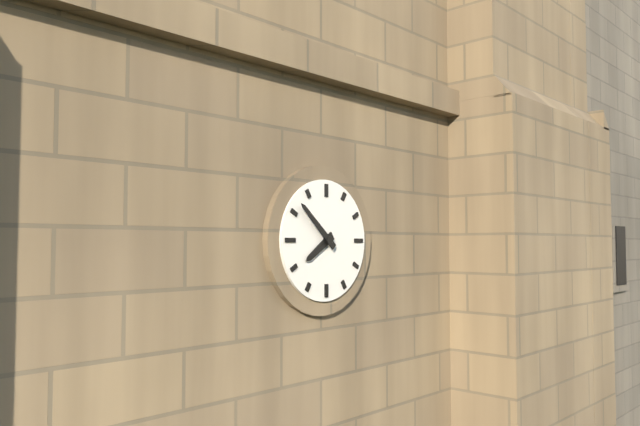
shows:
7,52
